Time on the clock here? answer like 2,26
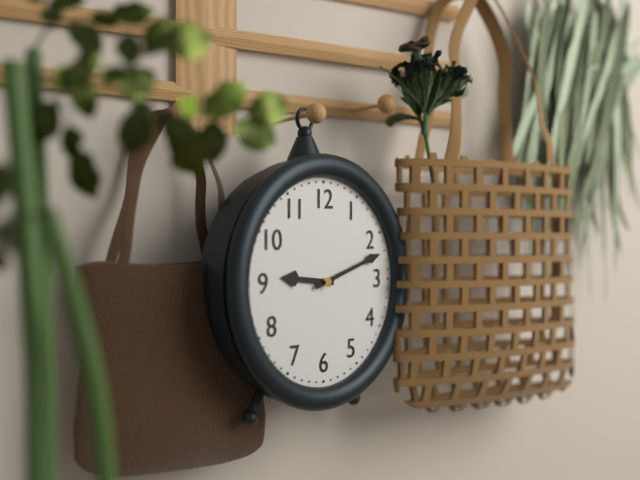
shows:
9,12
